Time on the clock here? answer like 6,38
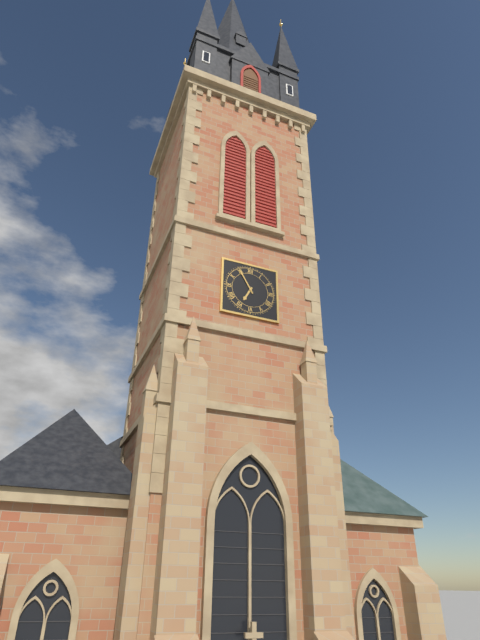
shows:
6,55
